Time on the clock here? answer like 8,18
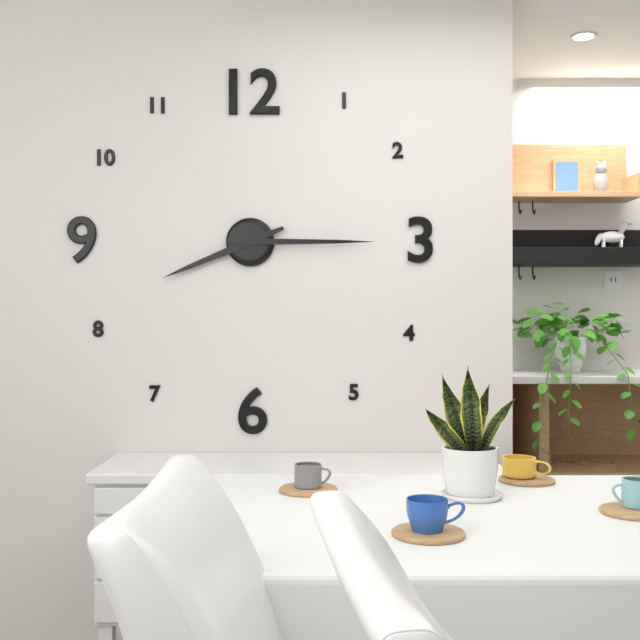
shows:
8,15
